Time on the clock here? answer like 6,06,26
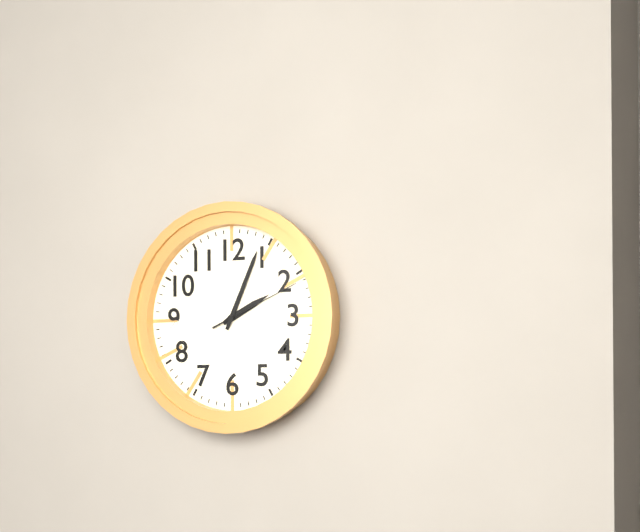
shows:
2,04,11
